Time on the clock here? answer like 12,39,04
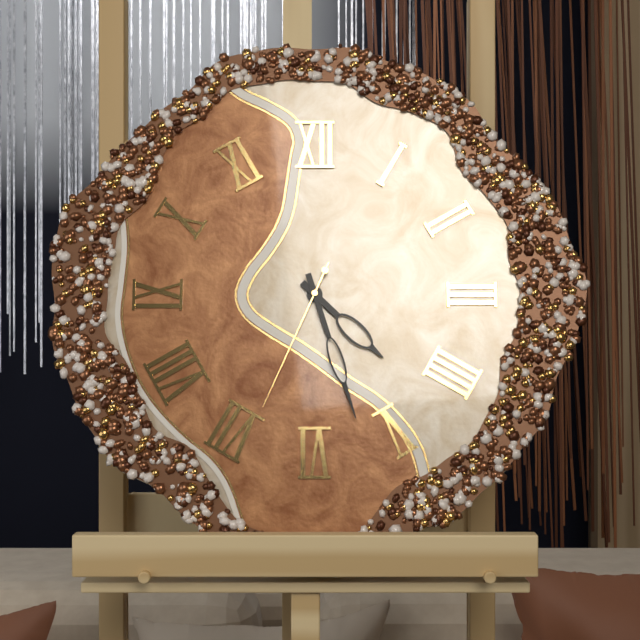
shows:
4,27,34
